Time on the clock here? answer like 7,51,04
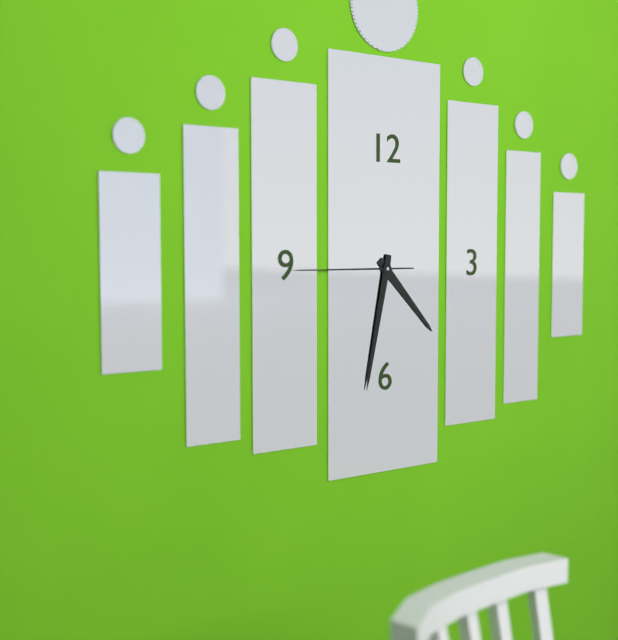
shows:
4,32,45
